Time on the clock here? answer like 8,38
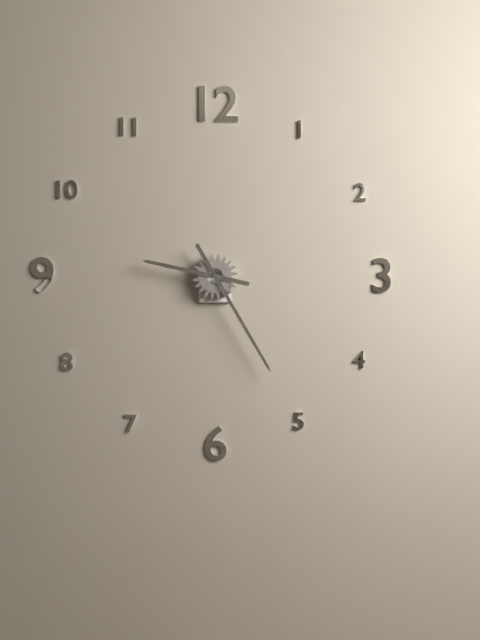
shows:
9,25
